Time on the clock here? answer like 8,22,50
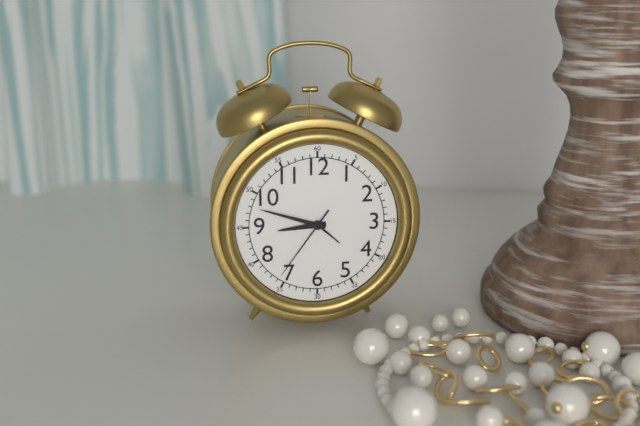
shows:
8,48,36
